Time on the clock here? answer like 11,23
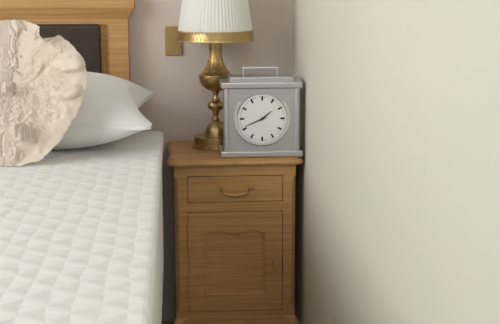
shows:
1,41
